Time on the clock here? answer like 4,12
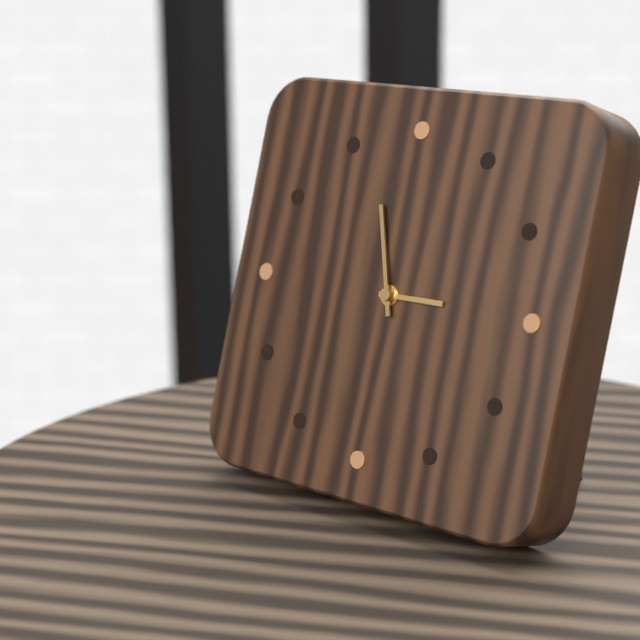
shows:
2,57
